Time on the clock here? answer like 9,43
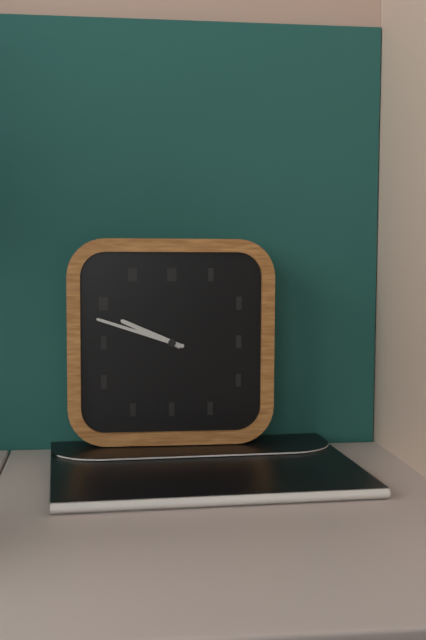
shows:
9,48
